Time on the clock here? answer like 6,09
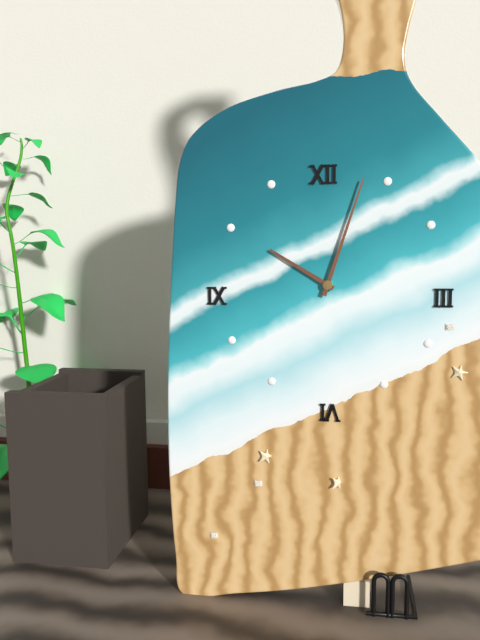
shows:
10,03
